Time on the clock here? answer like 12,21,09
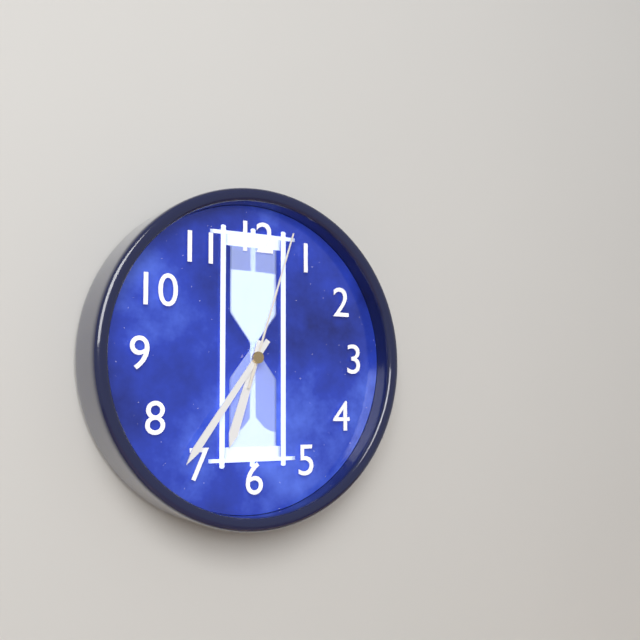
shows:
6,36,03
